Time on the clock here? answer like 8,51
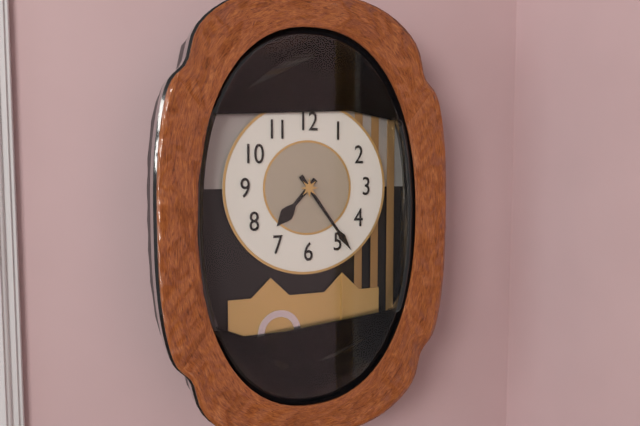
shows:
7,24
